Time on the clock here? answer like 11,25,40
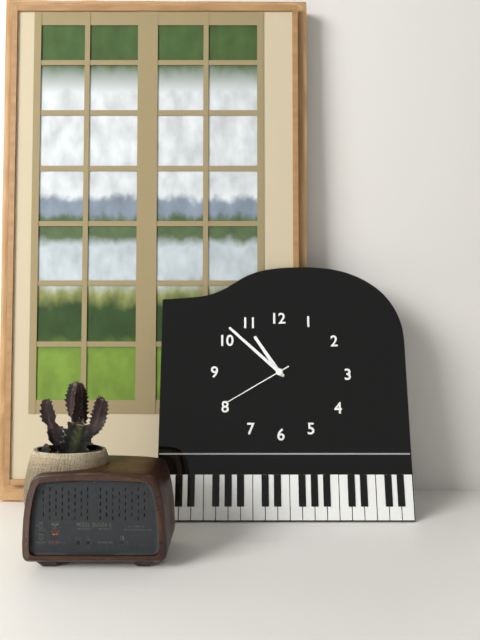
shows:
10,52,40
